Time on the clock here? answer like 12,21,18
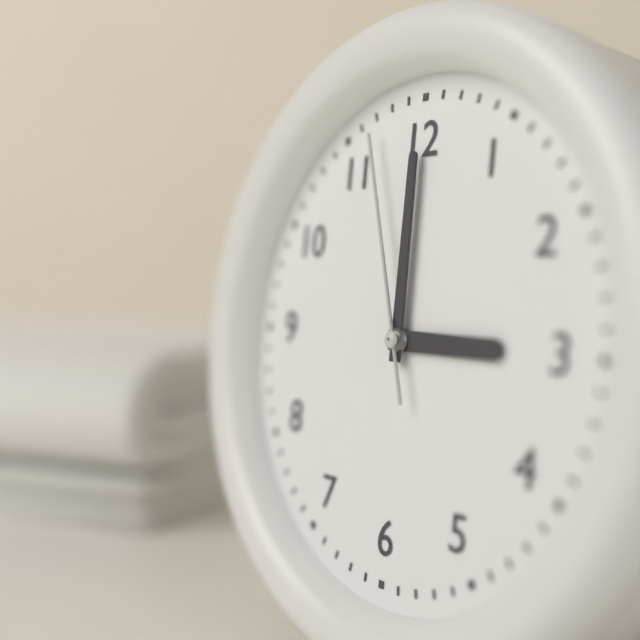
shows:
3,00,57
